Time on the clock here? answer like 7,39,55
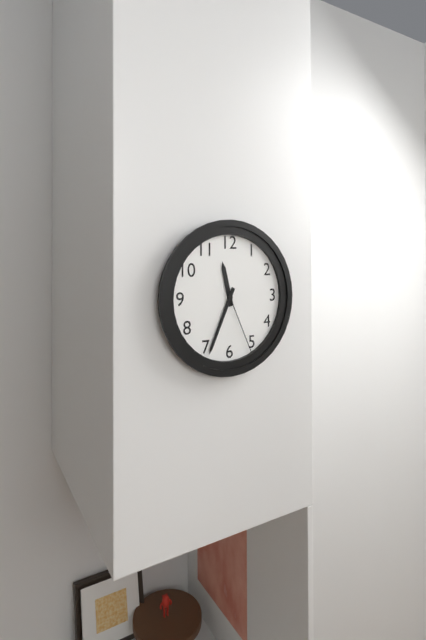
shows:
11,34,26
